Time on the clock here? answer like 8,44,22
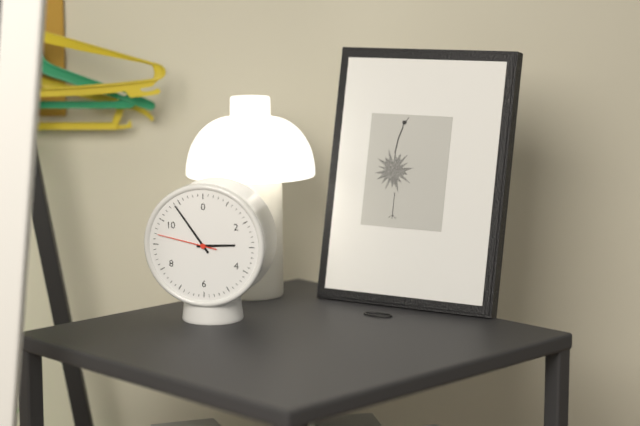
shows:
2,54,47
